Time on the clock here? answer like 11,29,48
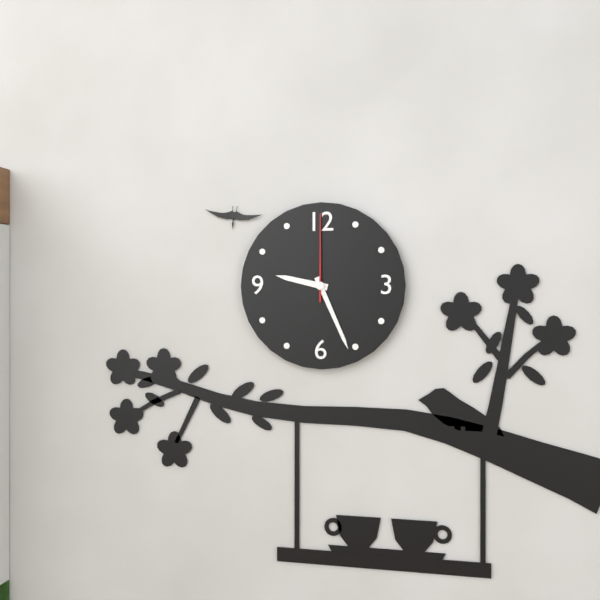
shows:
9,26,00
